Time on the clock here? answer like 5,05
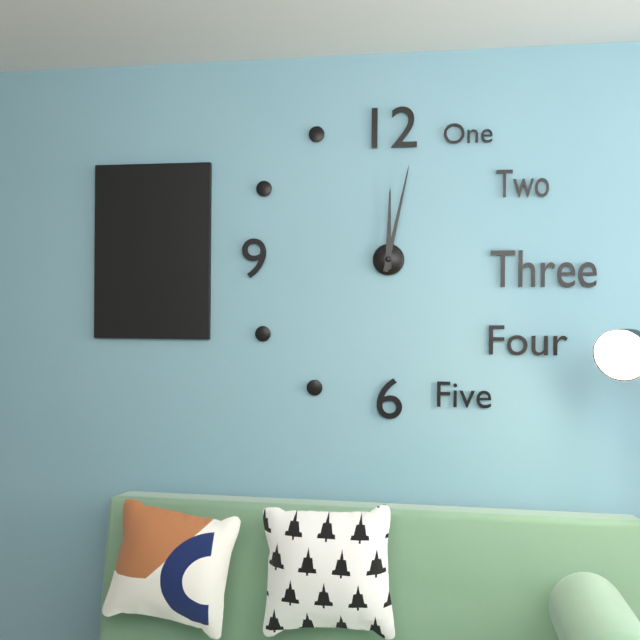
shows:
12,02
